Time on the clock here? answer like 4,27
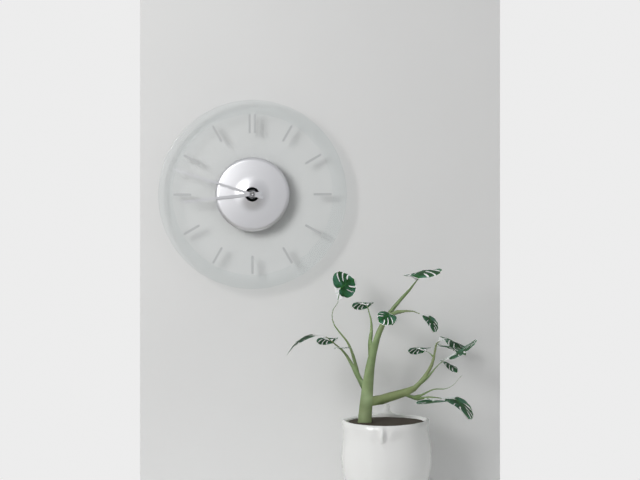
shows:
8,48
